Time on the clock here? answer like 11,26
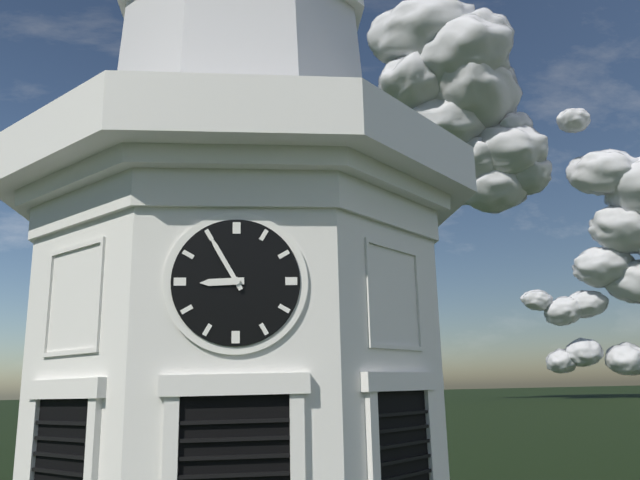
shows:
8,55
